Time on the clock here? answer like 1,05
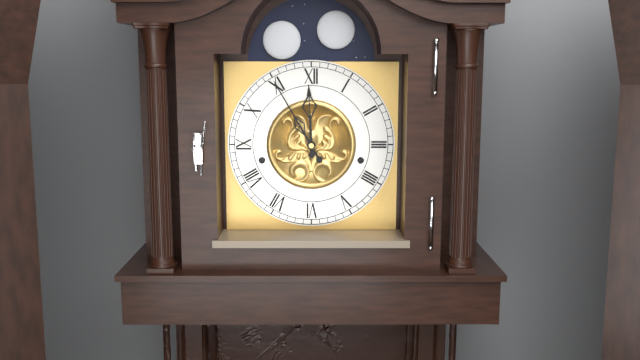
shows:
11,55
